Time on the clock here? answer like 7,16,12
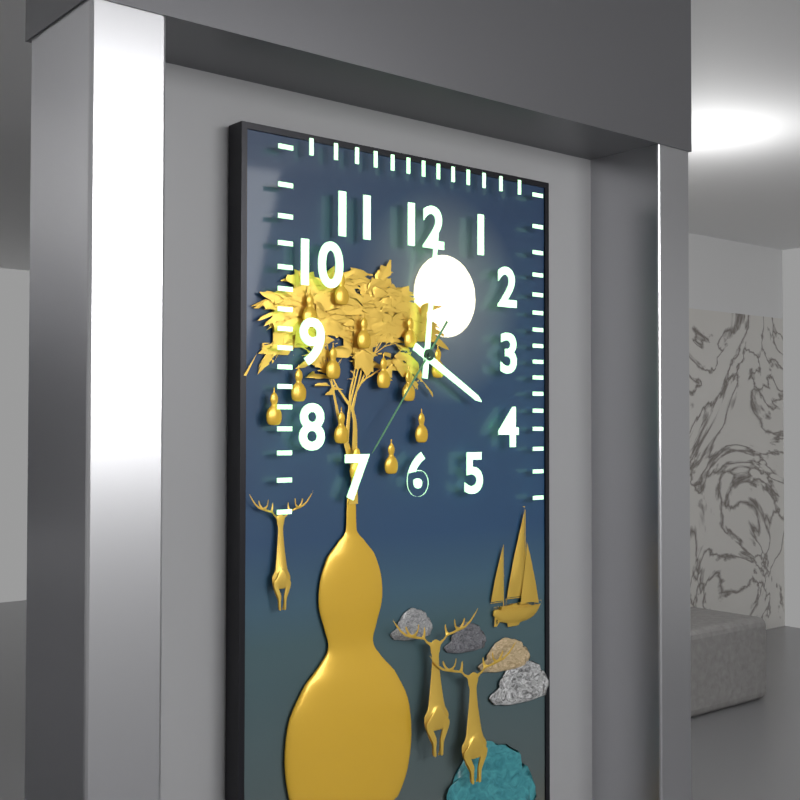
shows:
4,01,36
